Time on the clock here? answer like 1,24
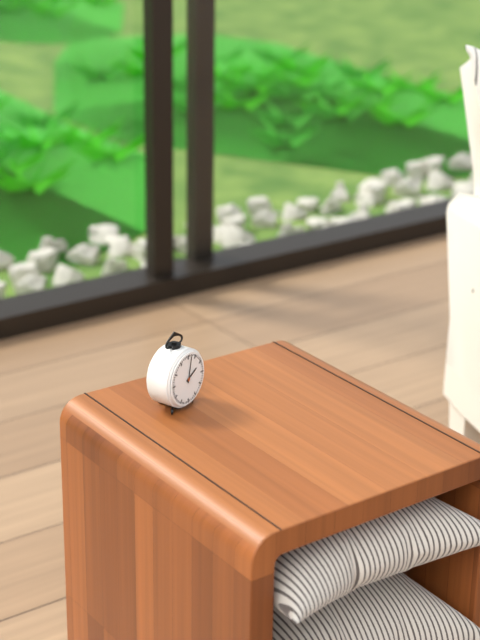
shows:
2,02
